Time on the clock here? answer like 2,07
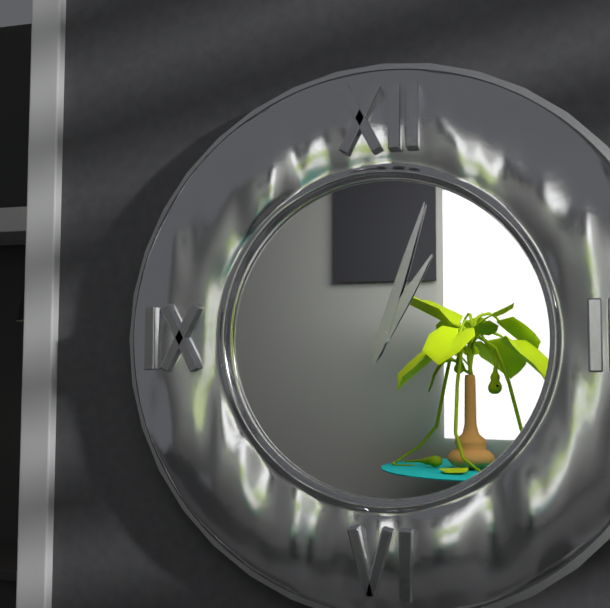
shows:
1,03
